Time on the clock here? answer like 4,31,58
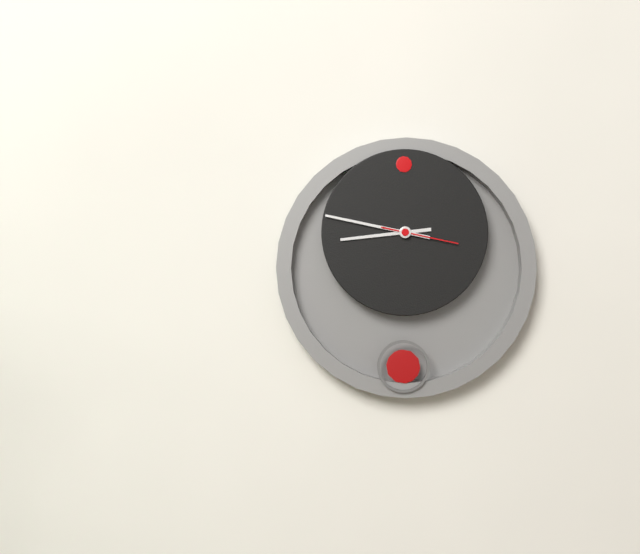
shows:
8,47,17
